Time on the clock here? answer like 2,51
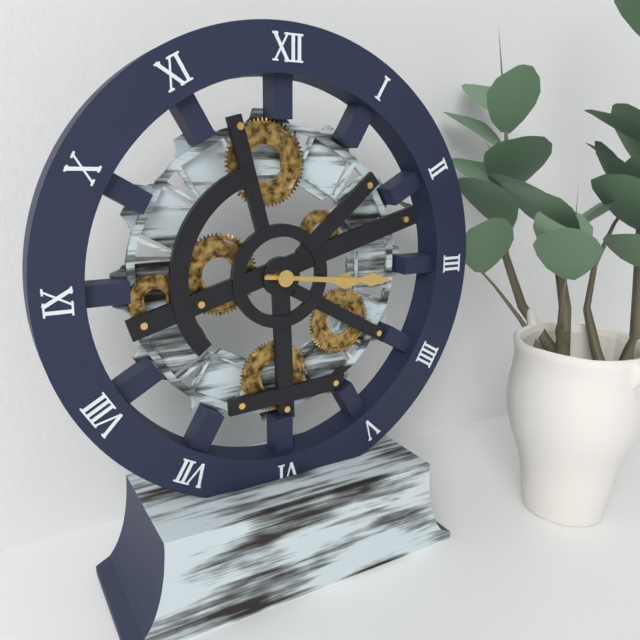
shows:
3,16
